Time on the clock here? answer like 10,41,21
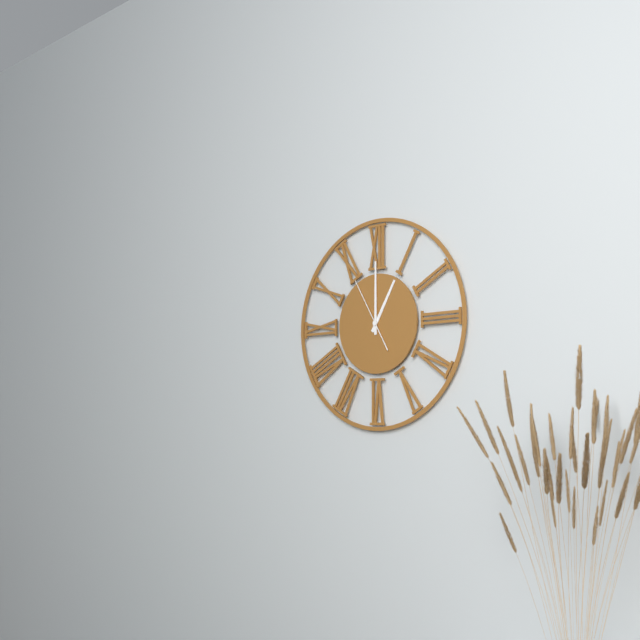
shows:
1,00,55
